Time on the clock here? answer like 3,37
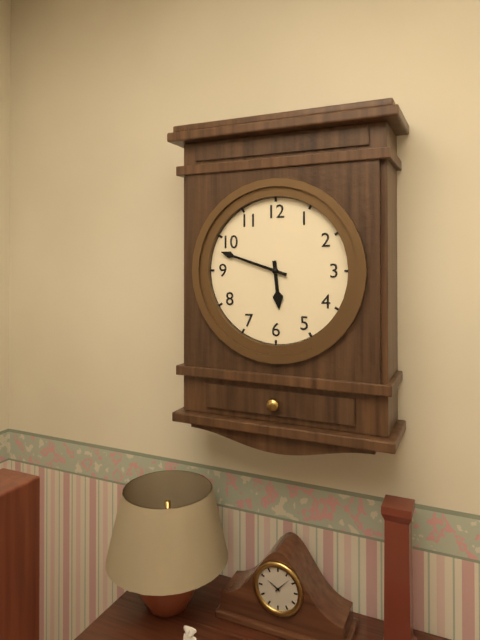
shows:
5,48
